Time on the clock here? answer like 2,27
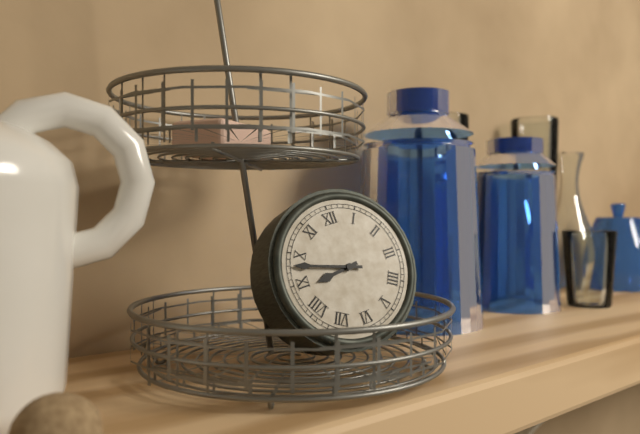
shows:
8,48
